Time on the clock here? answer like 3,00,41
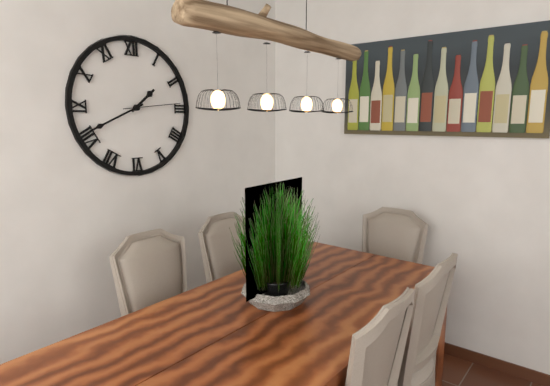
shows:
1,41,14
